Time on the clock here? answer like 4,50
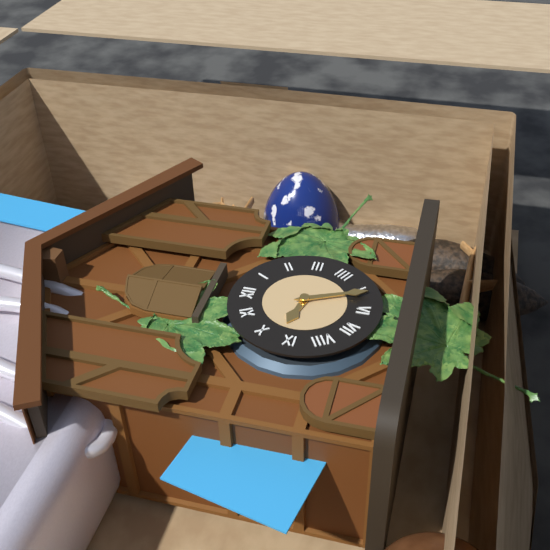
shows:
9,26
